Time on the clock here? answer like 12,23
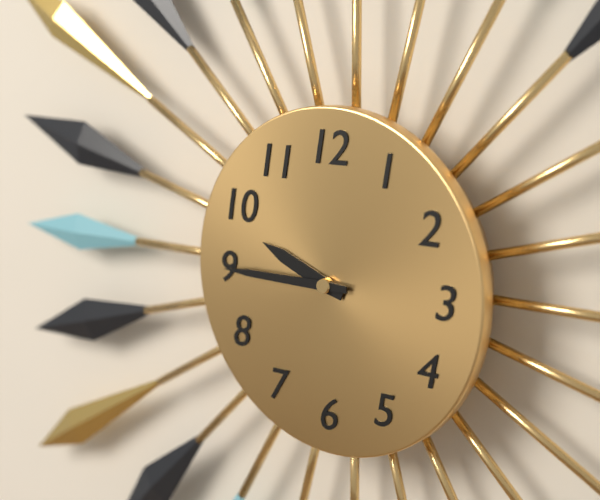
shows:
9,45
